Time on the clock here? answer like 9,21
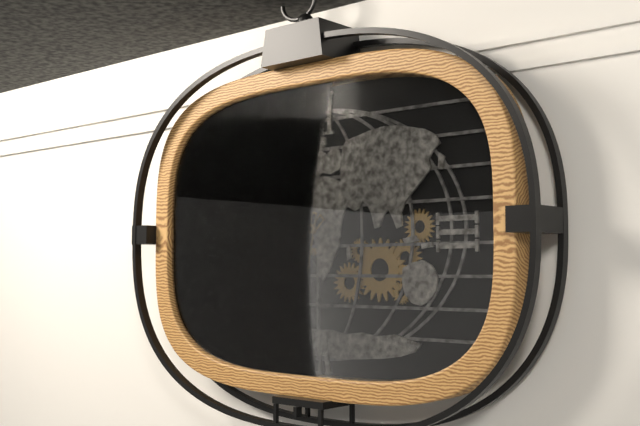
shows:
7,32
